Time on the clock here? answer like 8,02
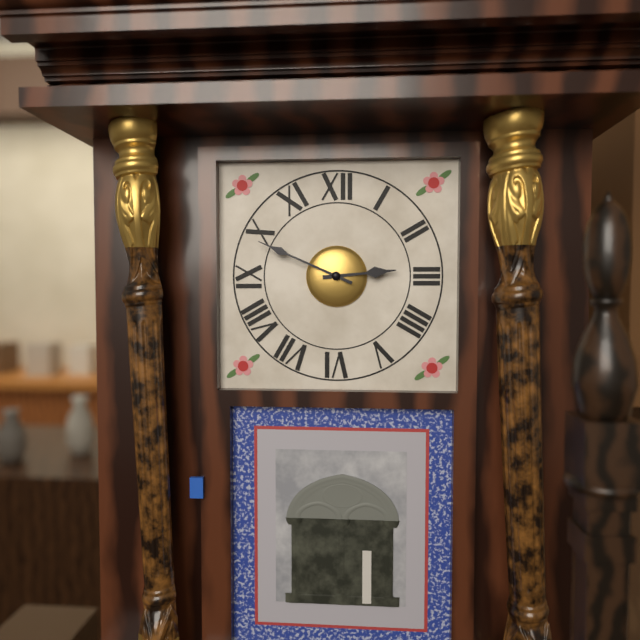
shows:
2,49
